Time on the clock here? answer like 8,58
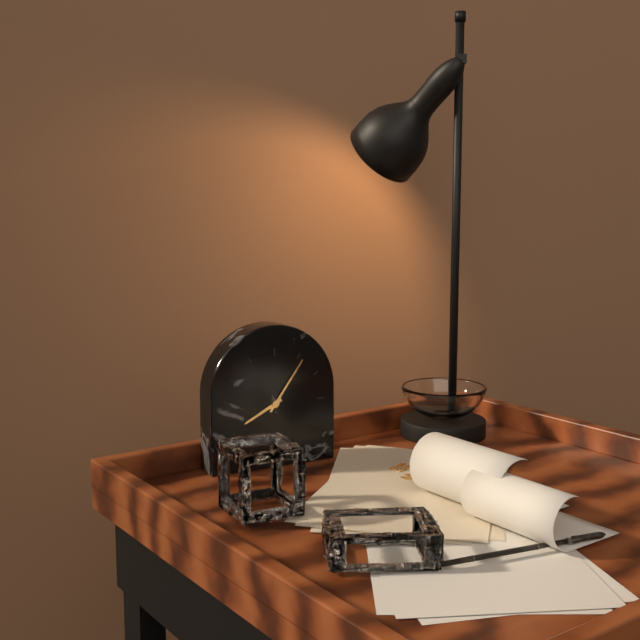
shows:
8,06
